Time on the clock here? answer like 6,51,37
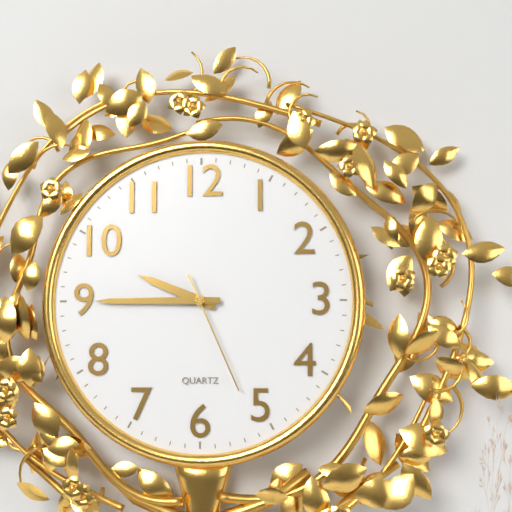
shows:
9,45,26
